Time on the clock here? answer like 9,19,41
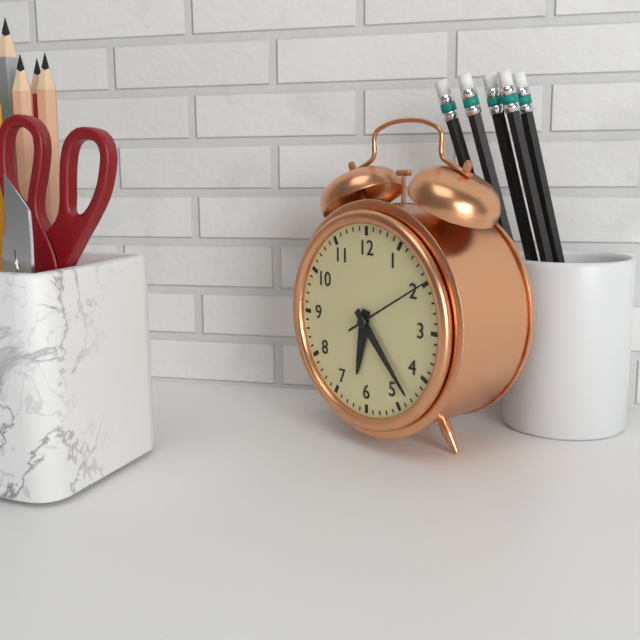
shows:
6,23,10
